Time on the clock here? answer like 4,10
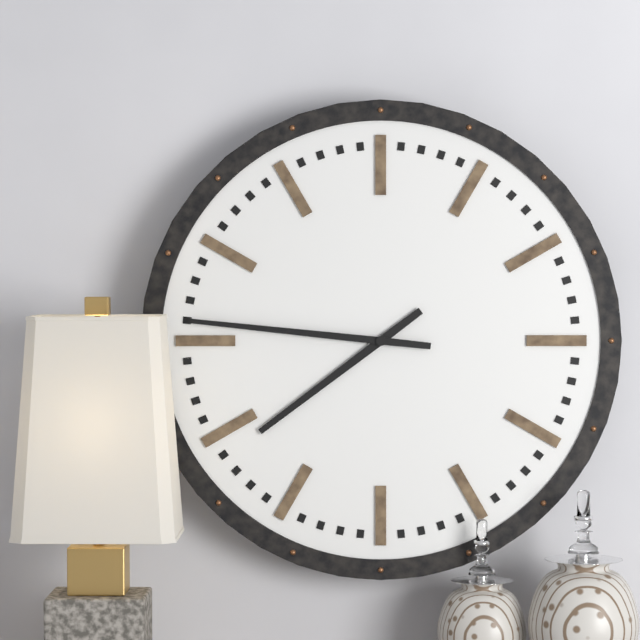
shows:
7,46
